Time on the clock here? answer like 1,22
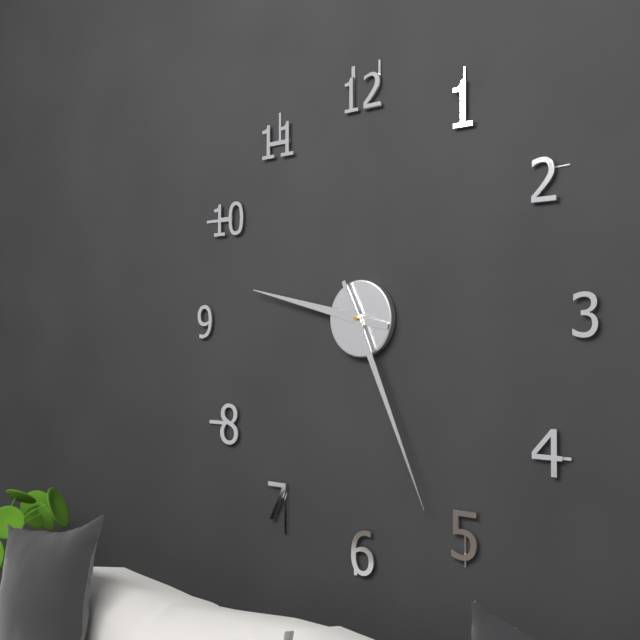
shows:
9,26
